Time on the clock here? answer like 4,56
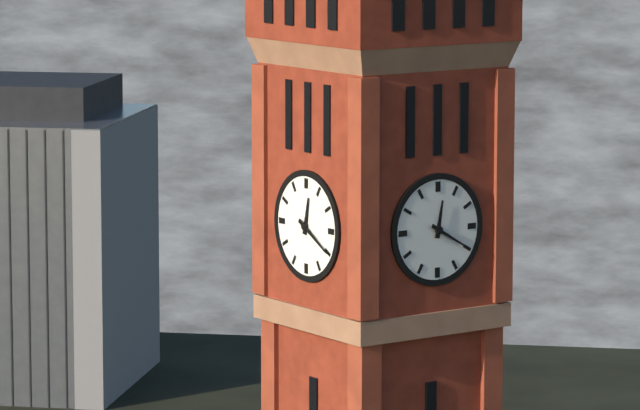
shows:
12,20
